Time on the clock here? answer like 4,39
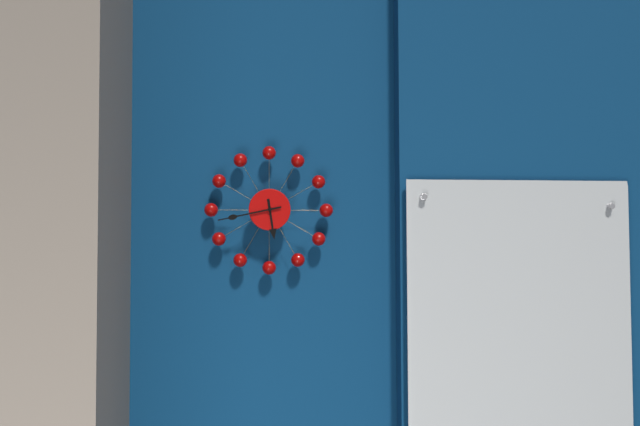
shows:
5,43
